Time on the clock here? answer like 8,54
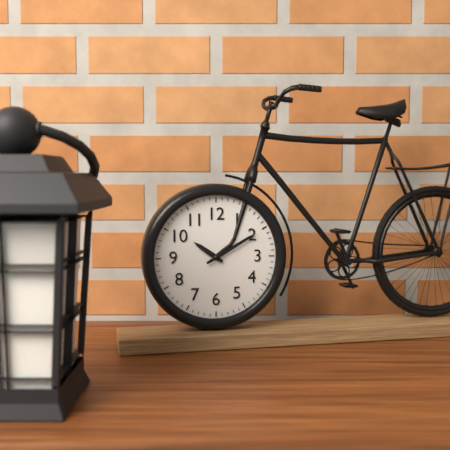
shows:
10,10
